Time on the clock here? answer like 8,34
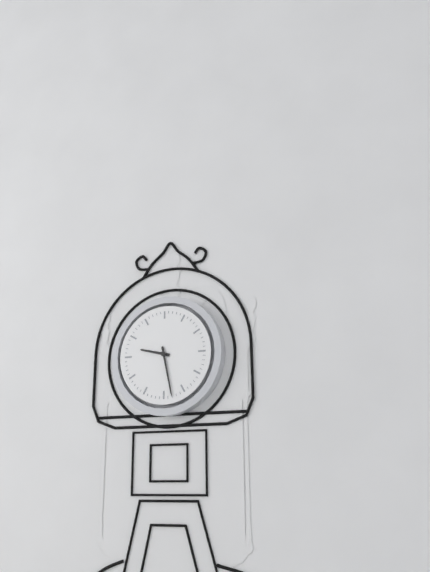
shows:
9,28
